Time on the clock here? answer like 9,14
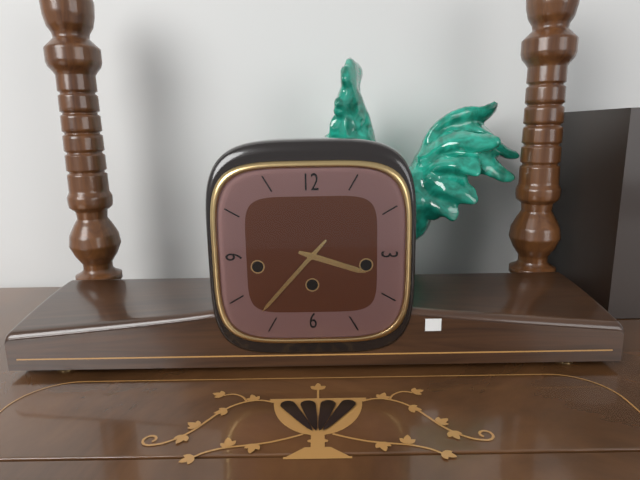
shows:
3,37
